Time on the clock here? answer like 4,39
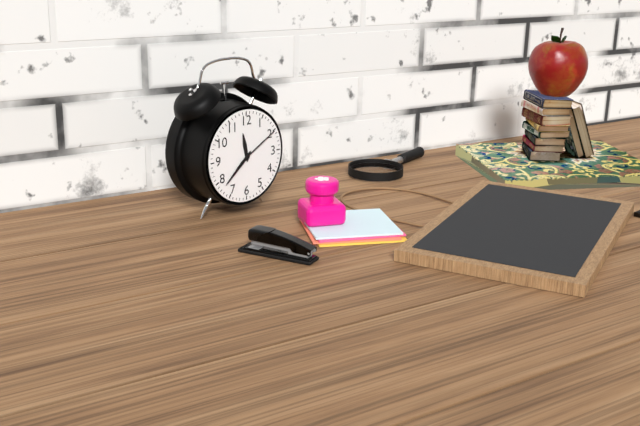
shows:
11,38
